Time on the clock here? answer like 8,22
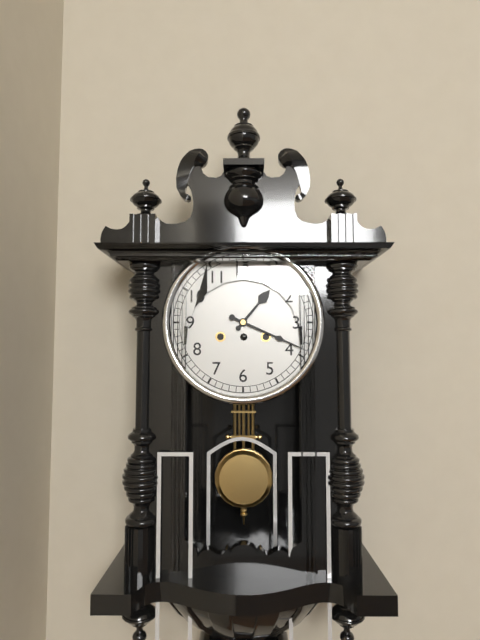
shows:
1,19
